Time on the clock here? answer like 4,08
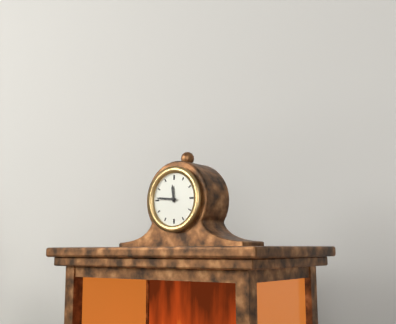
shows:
11,46
